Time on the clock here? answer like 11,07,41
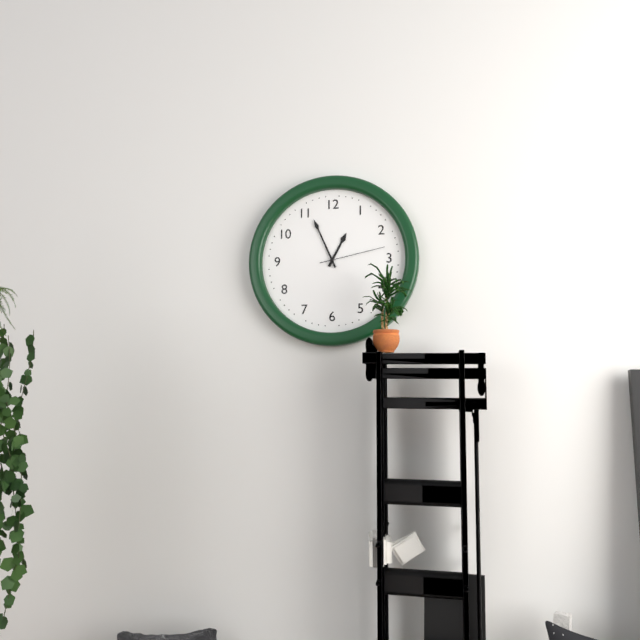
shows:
12,56,13
